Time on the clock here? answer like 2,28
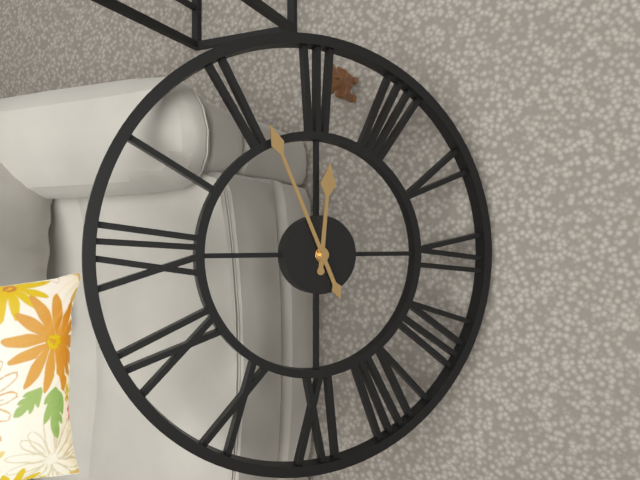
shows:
3,11
